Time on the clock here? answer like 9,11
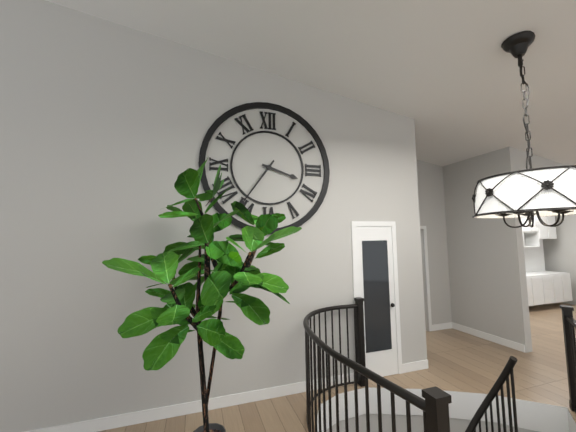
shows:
3,36
